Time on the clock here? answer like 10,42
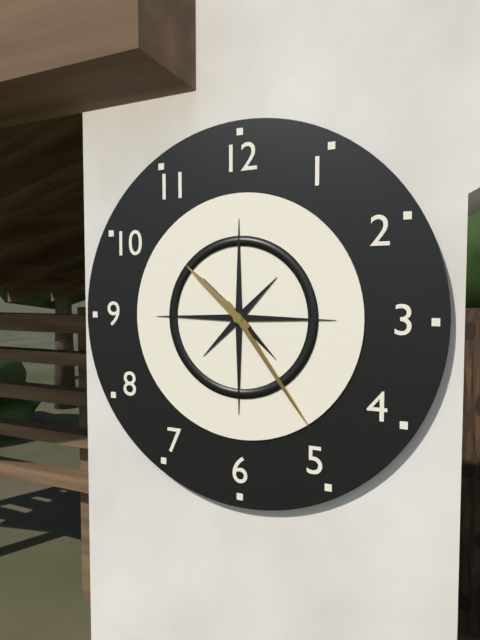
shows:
10,24
